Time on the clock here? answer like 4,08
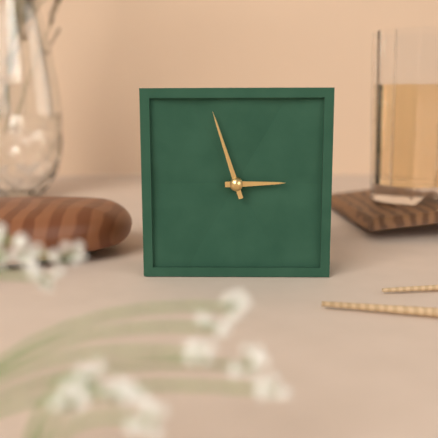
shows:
2,57
